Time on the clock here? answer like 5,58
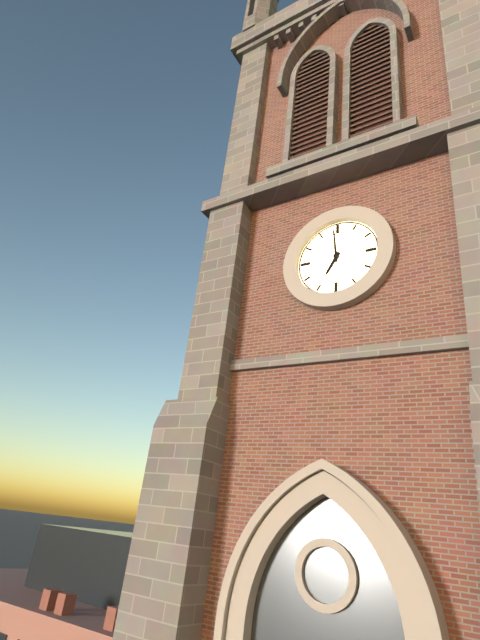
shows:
6,59
